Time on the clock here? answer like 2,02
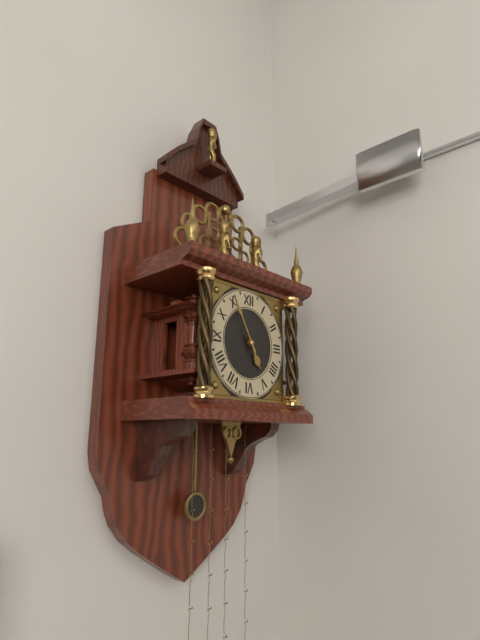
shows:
4,55
